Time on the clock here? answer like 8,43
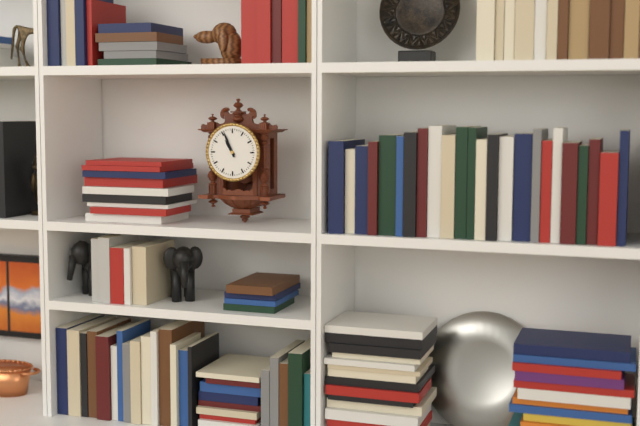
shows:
10,56
